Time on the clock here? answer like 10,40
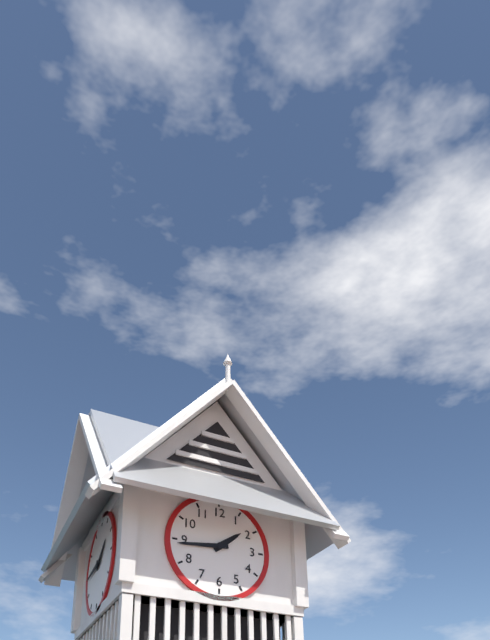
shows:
1,44
